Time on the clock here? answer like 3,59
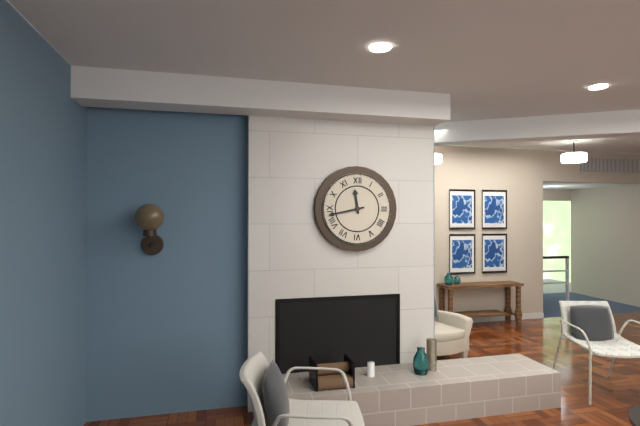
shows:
11,43
